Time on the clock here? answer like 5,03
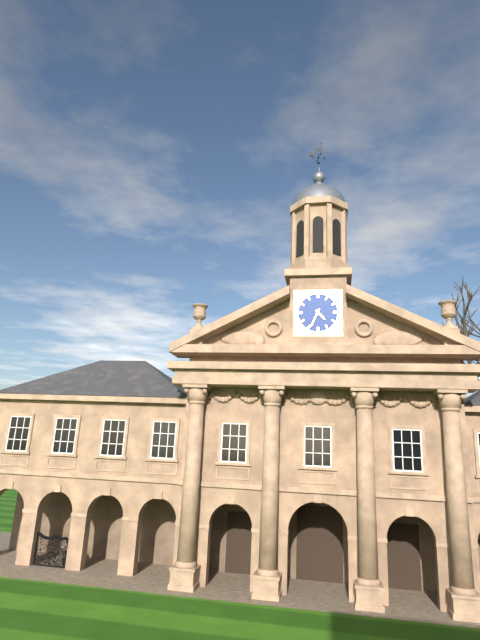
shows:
4,34
